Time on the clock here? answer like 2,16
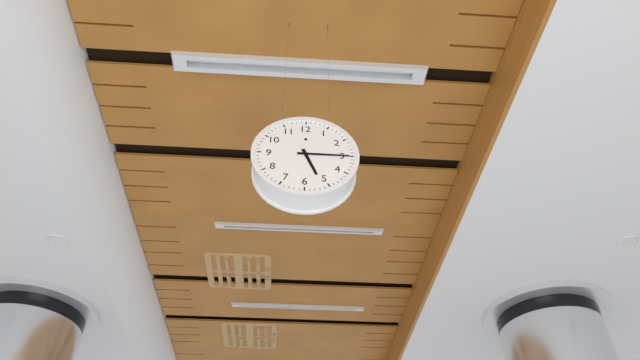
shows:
5,15
